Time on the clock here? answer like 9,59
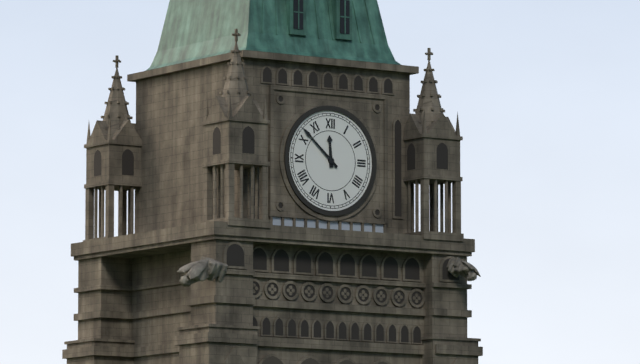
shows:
11,52
